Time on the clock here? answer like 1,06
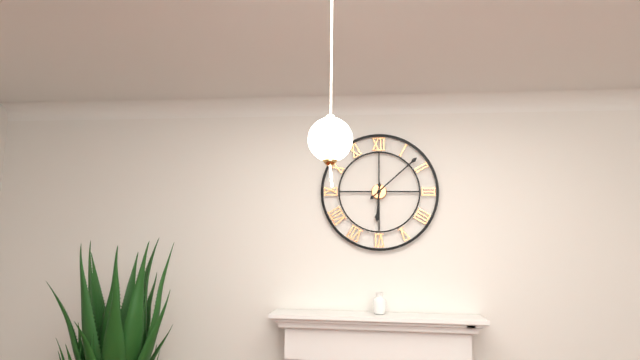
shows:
6,08
